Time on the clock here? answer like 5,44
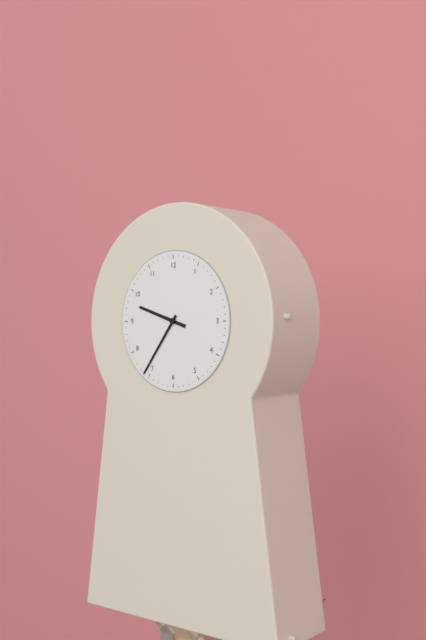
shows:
9,36
